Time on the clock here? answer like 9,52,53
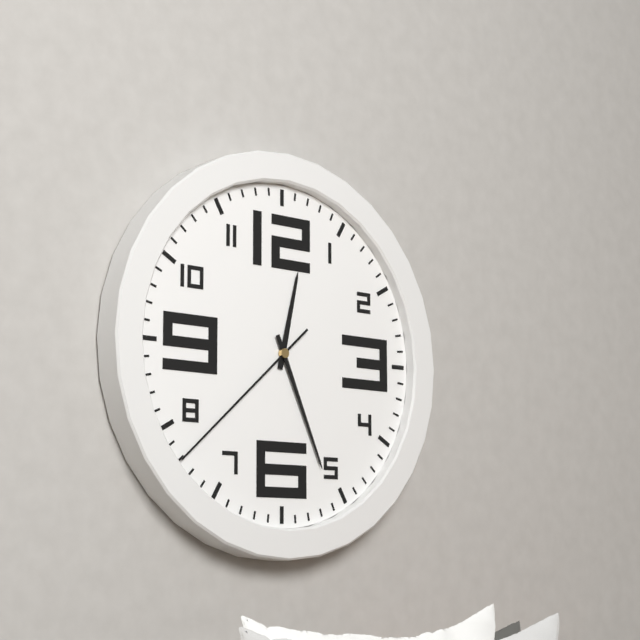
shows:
12,26,38
